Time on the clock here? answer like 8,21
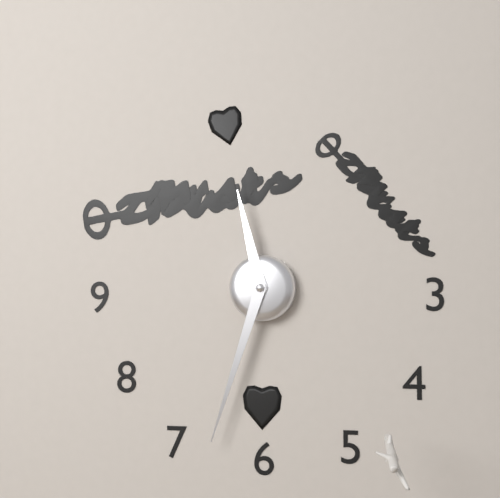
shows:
11,33
